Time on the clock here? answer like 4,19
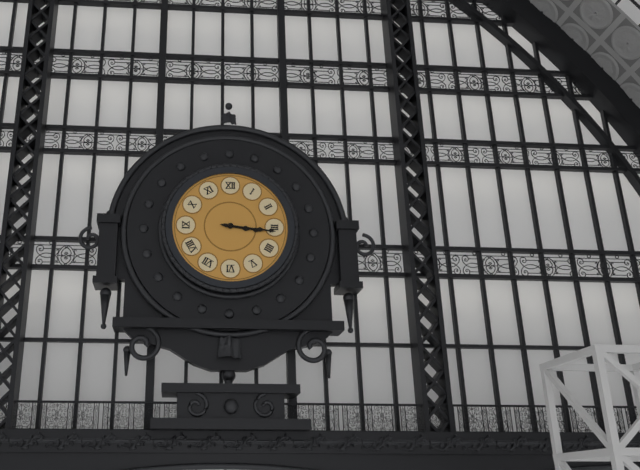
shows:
3,16
